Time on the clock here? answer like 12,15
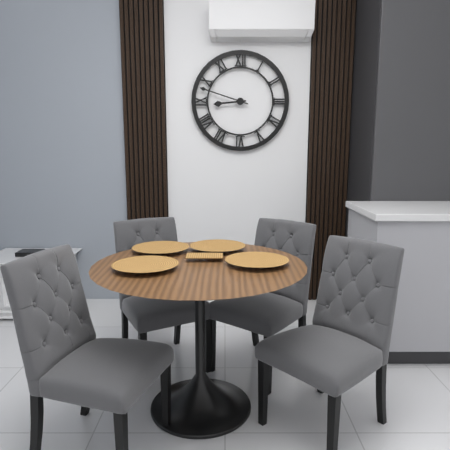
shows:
8,48
